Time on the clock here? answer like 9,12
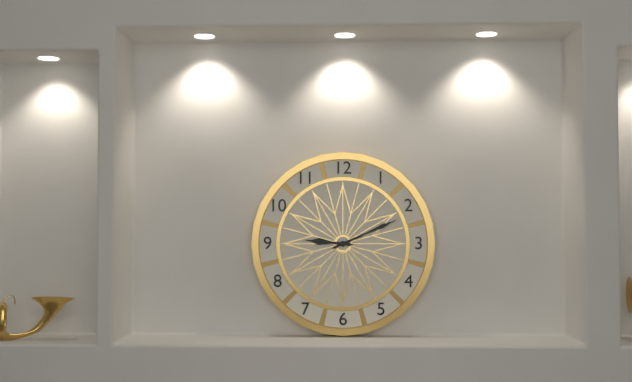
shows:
9,11
